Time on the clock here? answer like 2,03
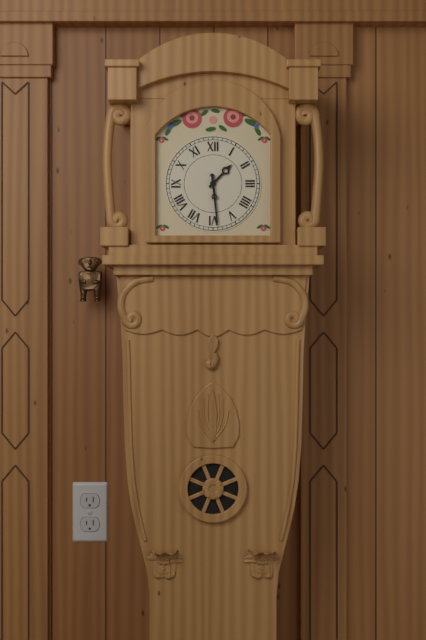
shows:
1,29
